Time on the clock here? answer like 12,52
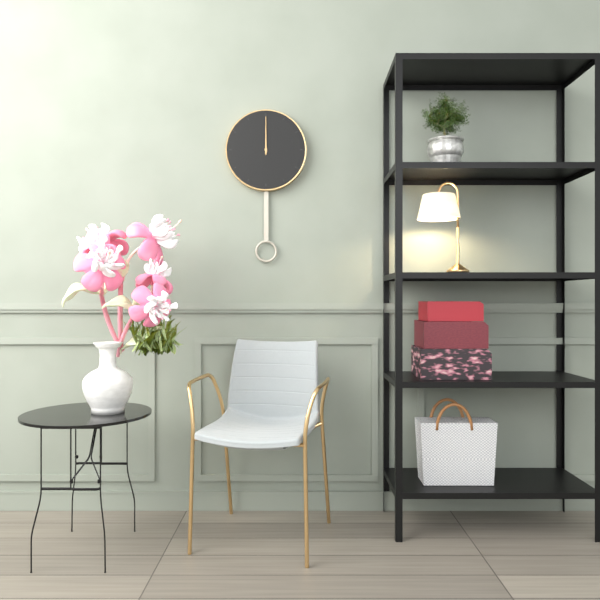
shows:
12,00
